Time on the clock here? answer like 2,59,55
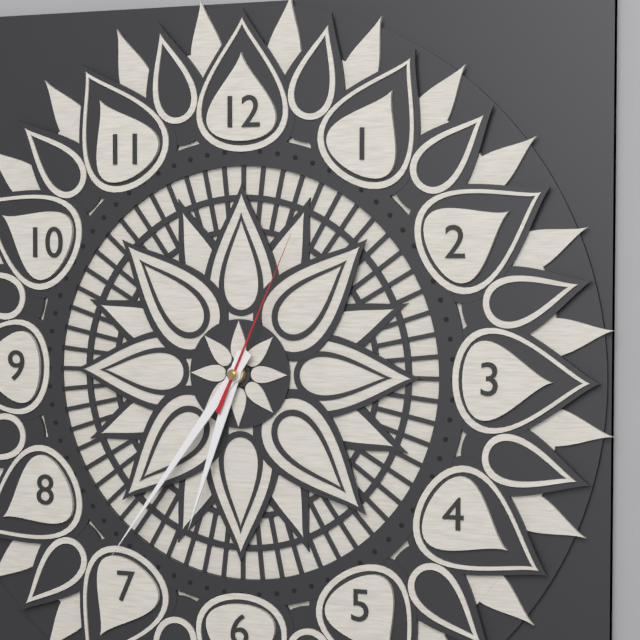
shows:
6,36,04
